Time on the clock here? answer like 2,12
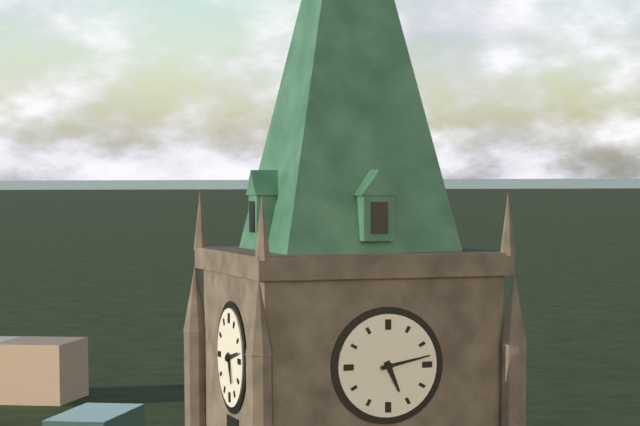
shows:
5,13
